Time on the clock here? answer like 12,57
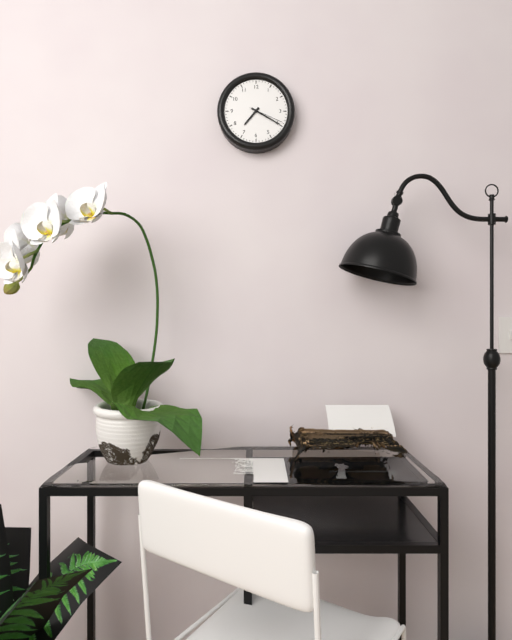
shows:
7,20
